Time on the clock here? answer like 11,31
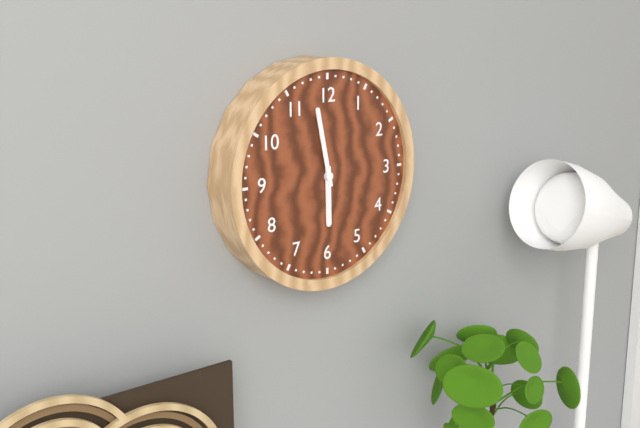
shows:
5,58
